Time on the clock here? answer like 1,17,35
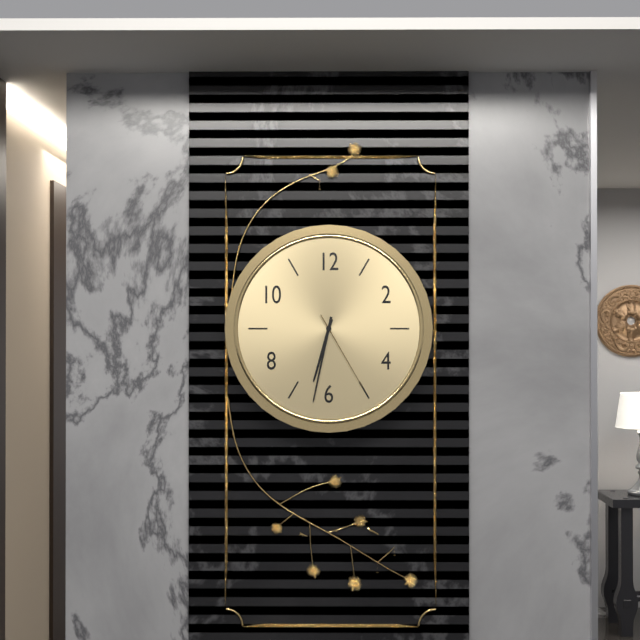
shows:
6,32,25
